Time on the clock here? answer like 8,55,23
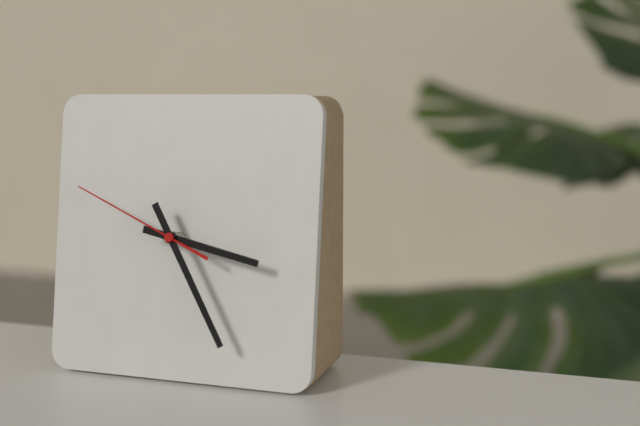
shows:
3,25,49
